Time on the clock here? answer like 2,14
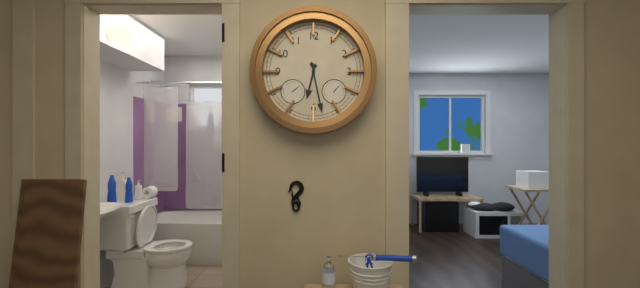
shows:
6,28
